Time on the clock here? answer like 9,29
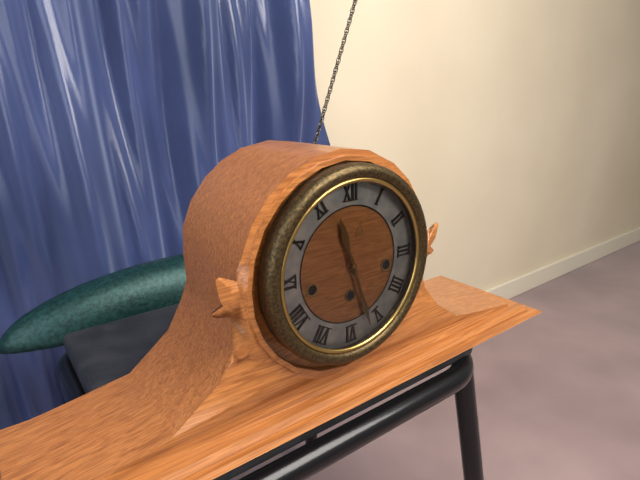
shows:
11,27
